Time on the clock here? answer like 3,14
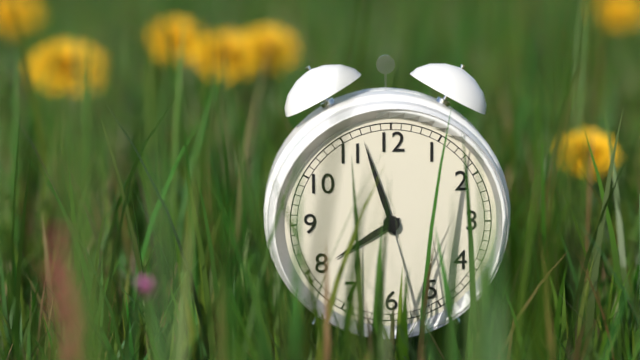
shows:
7,57
